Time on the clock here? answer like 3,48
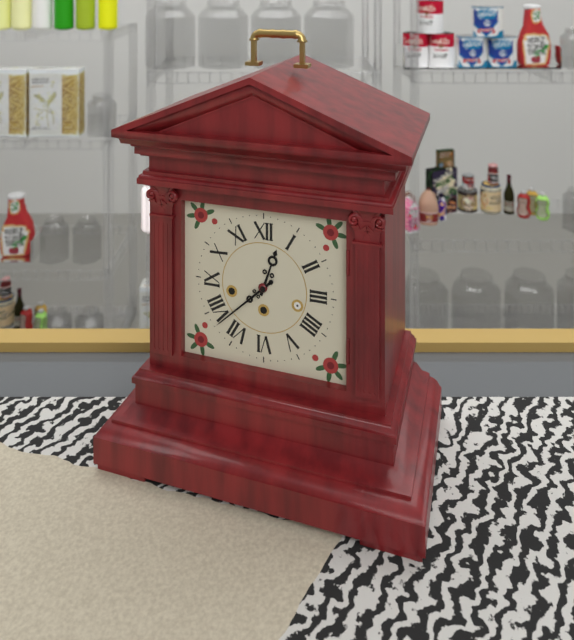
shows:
12,38
